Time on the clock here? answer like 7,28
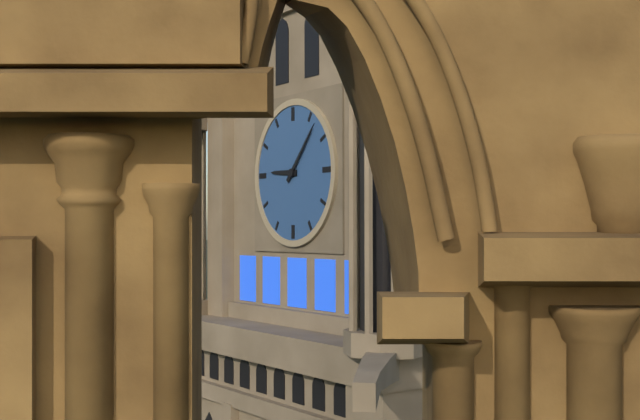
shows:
9,07
